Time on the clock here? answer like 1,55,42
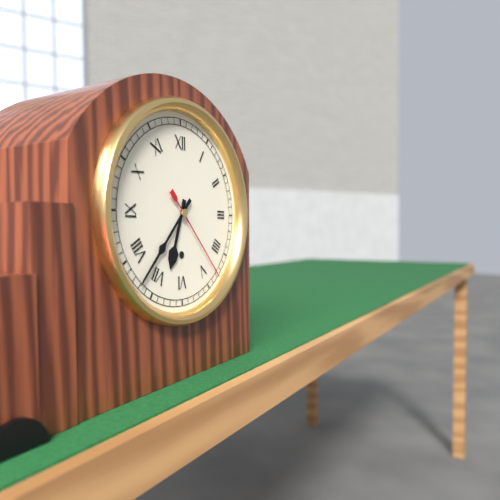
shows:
6,37,23
